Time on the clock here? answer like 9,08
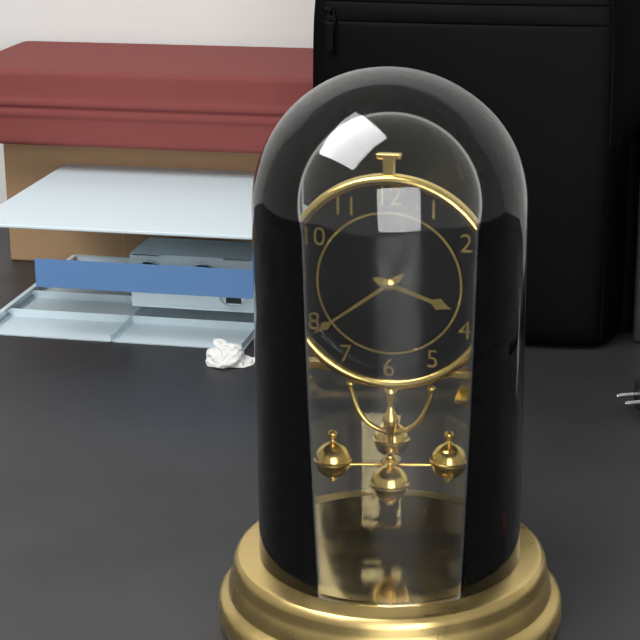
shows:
3,39
